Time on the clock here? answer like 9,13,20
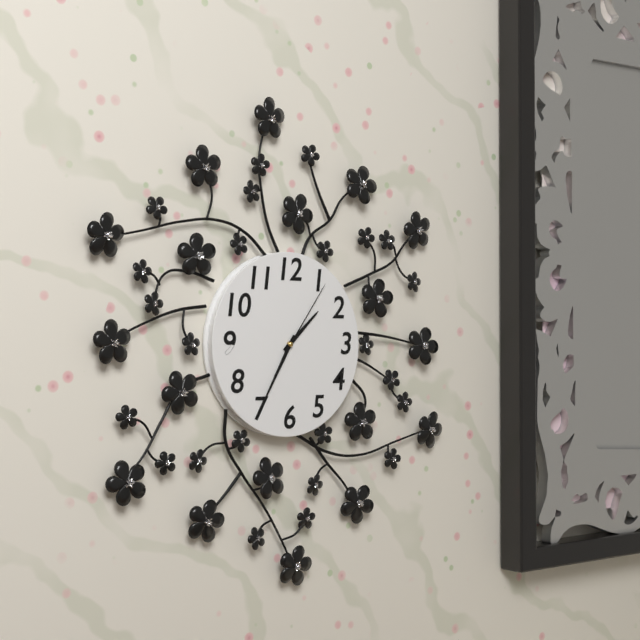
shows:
1,35,06
